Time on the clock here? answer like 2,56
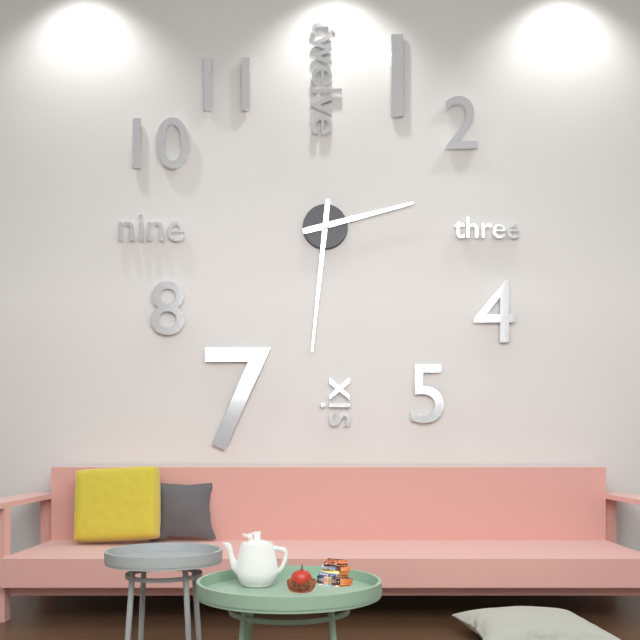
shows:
2,31
